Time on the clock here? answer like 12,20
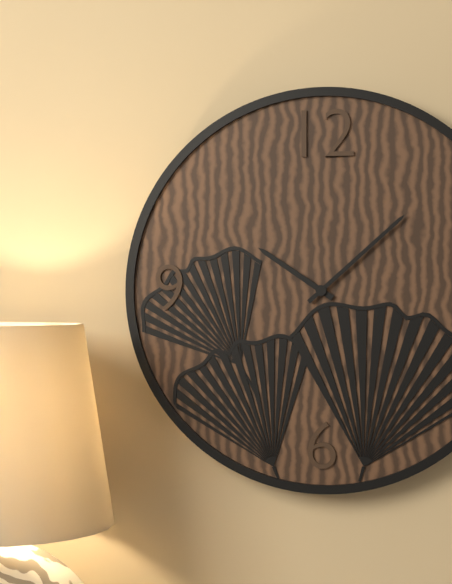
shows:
10,08
